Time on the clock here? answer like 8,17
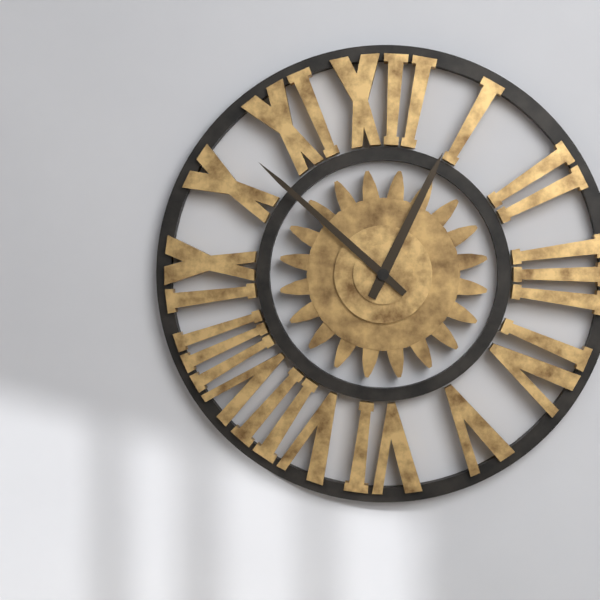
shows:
12,52
